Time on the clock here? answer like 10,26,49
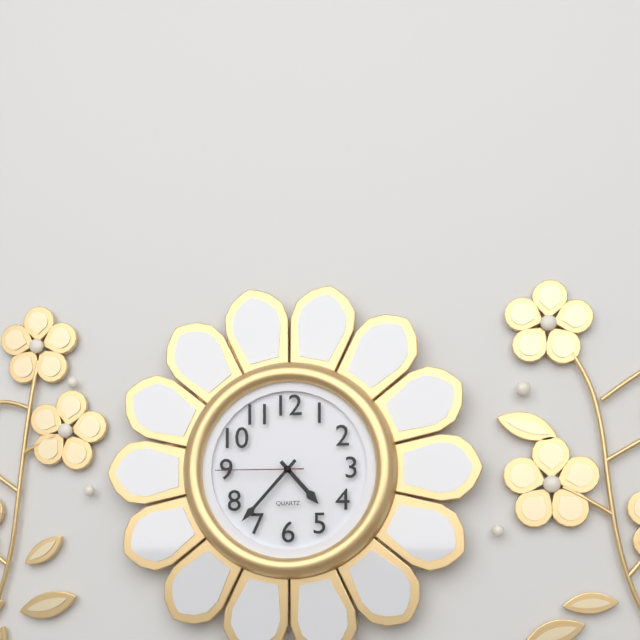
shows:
4,37,45
